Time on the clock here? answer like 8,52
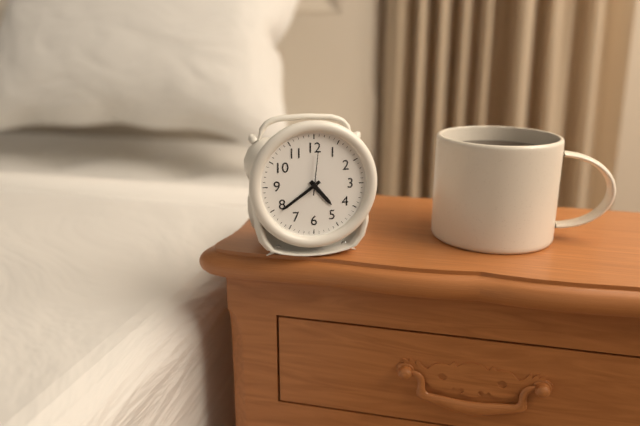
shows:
4,39
